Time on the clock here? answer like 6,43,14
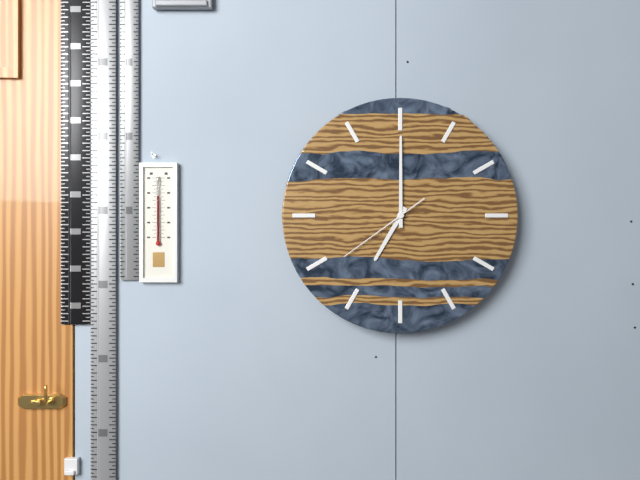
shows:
7,00,39
